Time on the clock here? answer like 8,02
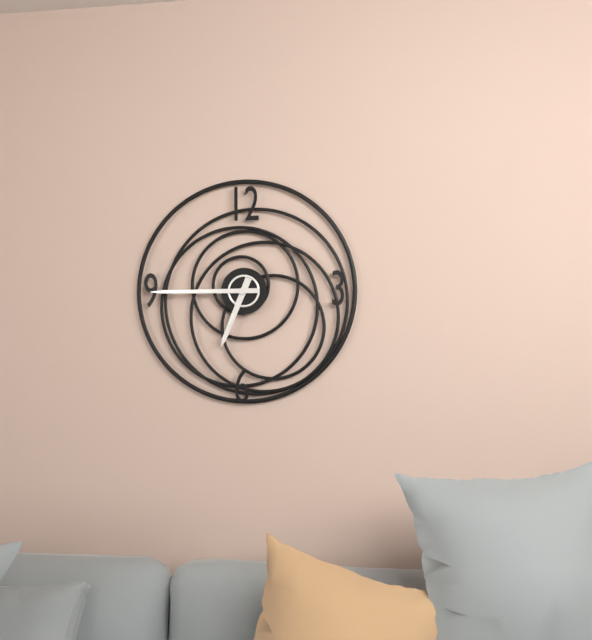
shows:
6,45
